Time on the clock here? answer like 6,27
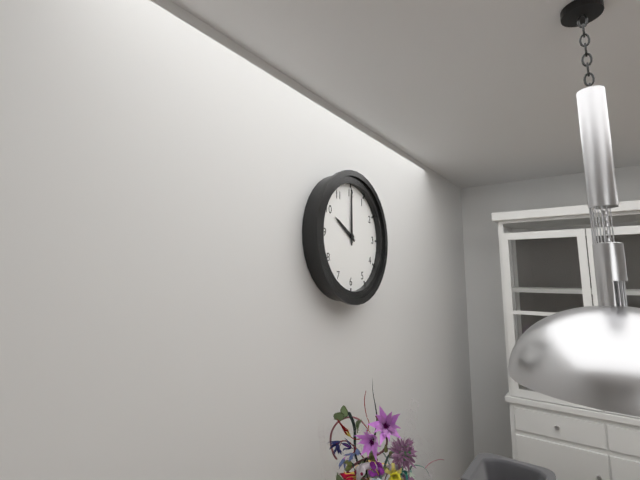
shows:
10,00
